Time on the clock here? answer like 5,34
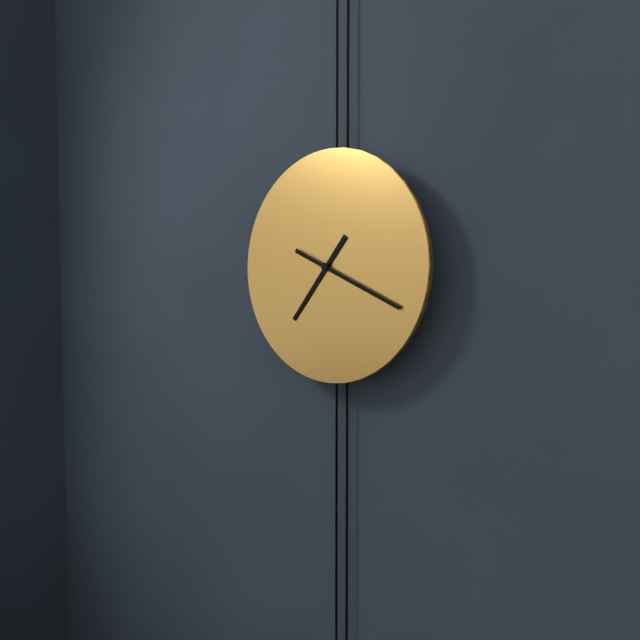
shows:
7,19
